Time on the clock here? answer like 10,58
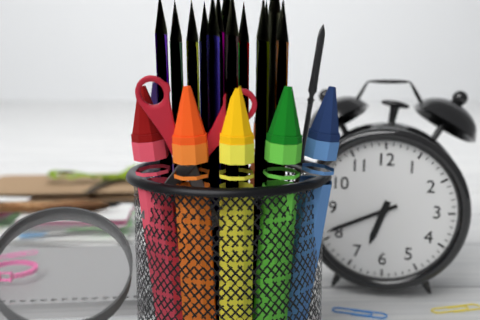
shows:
6,41
